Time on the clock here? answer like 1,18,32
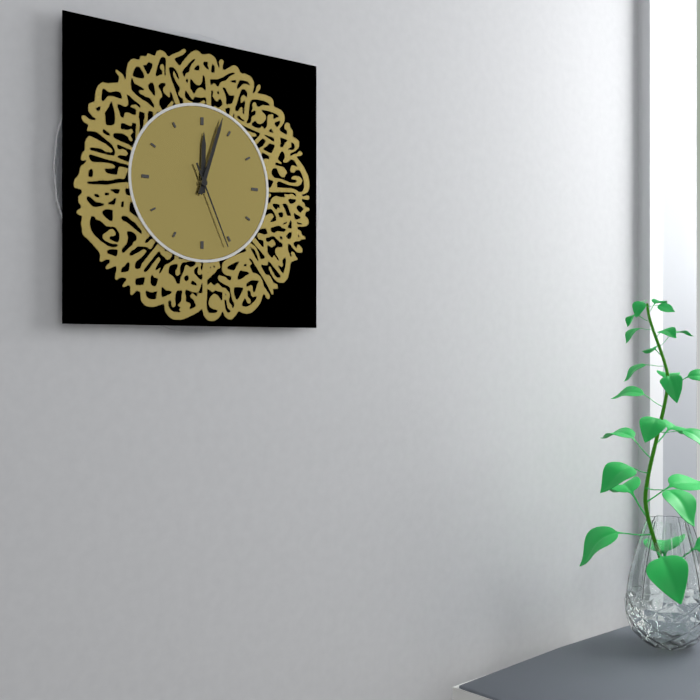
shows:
12,03,26
